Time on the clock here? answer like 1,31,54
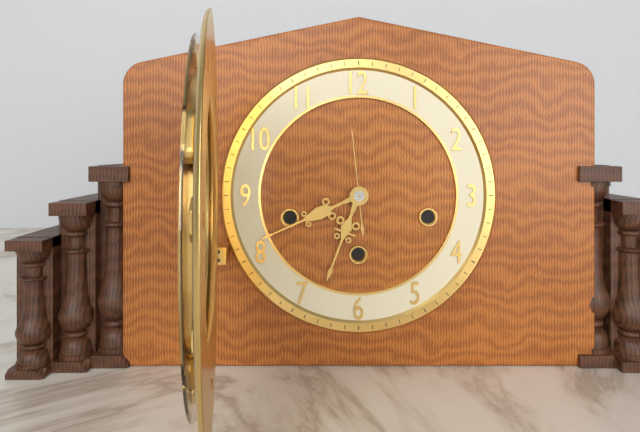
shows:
6,41,59
